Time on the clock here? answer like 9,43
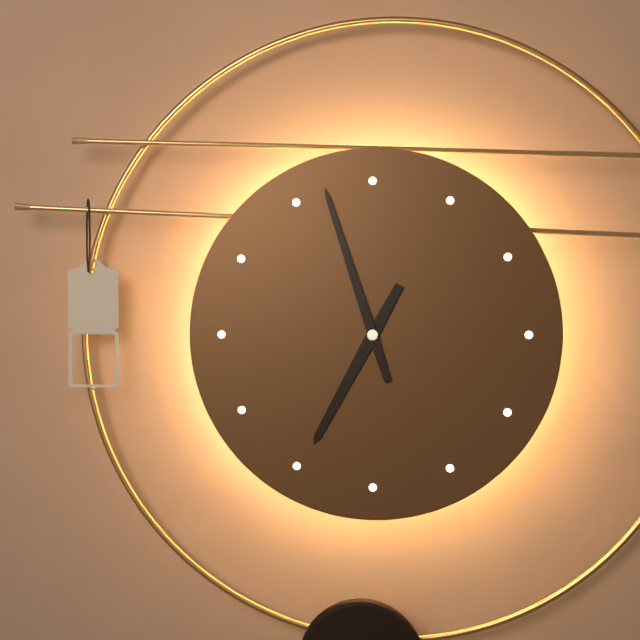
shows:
6,57
